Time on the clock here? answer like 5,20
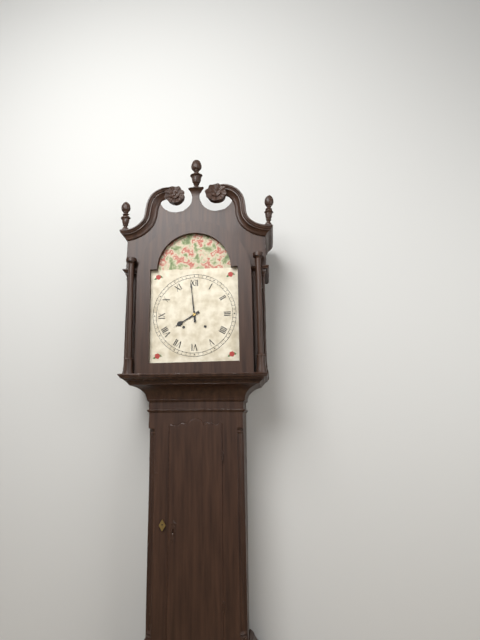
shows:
7,59
